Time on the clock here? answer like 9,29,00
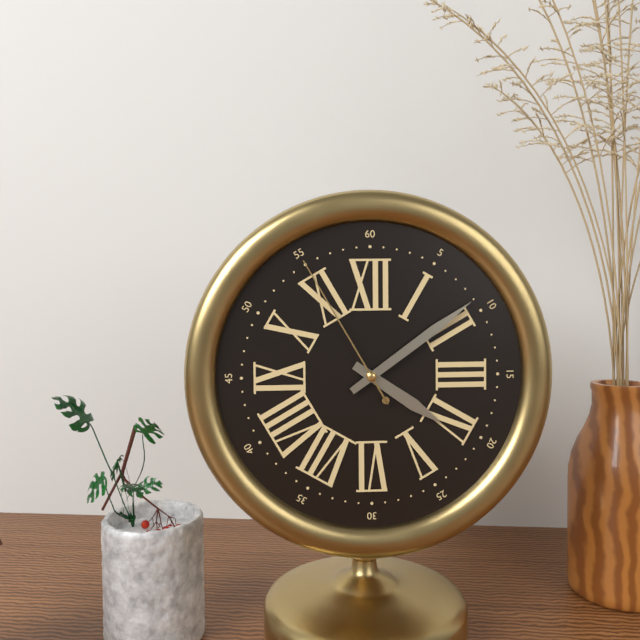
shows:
4,09,55
